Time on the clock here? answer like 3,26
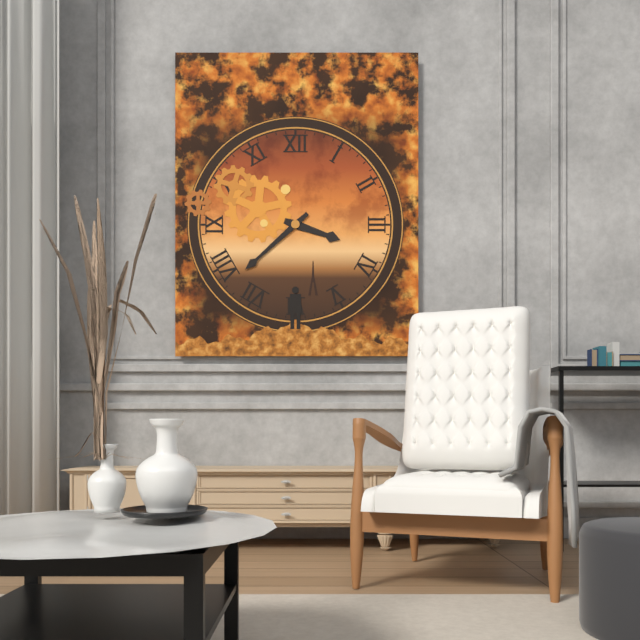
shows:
3,38
